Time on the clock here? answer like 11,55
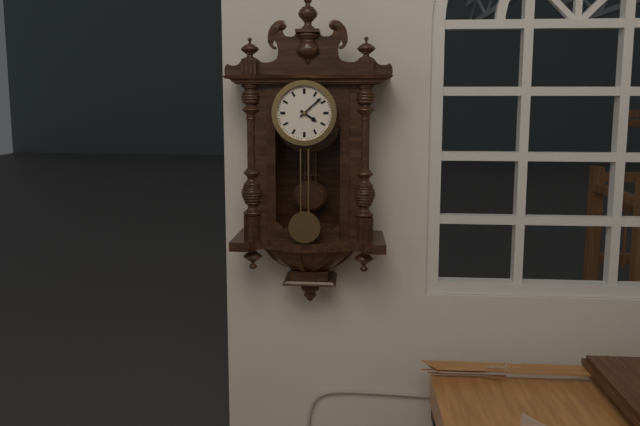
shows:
4,08
